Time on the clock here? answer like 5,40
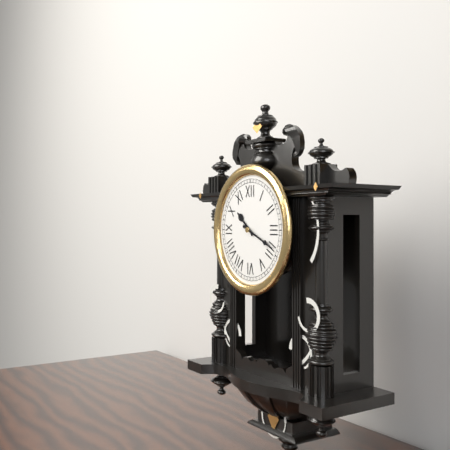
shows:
10,19
